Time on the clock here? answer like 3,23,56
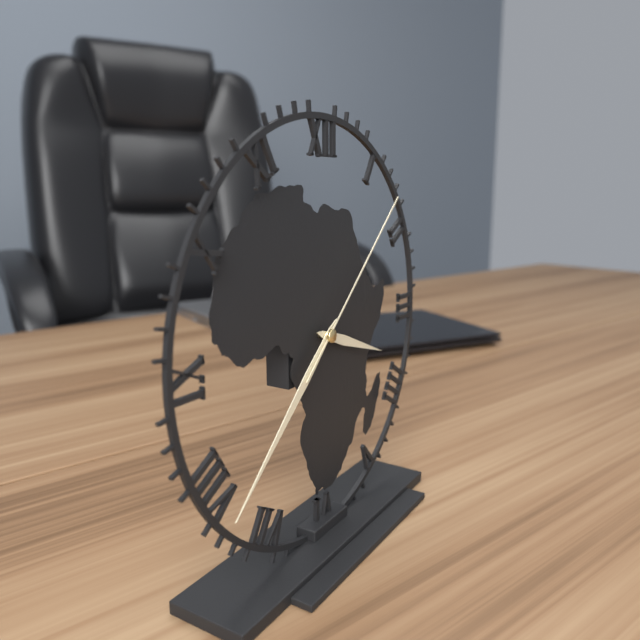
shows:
3,38,08
